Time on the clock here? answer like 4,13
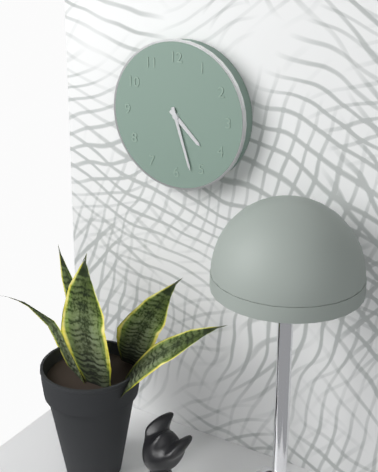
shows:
4,27
